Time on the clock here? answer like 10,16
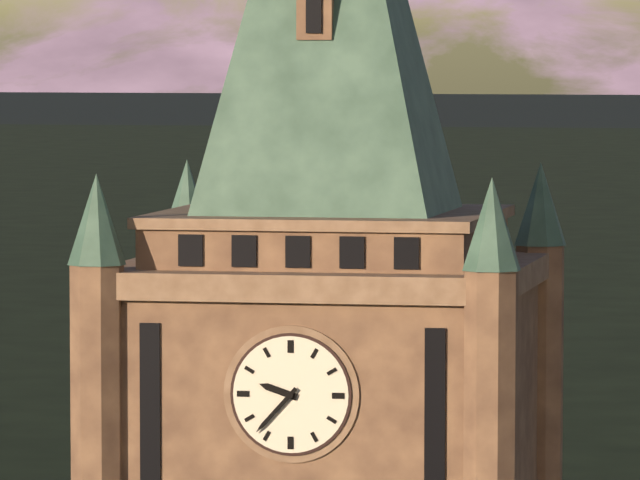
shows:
9,37
